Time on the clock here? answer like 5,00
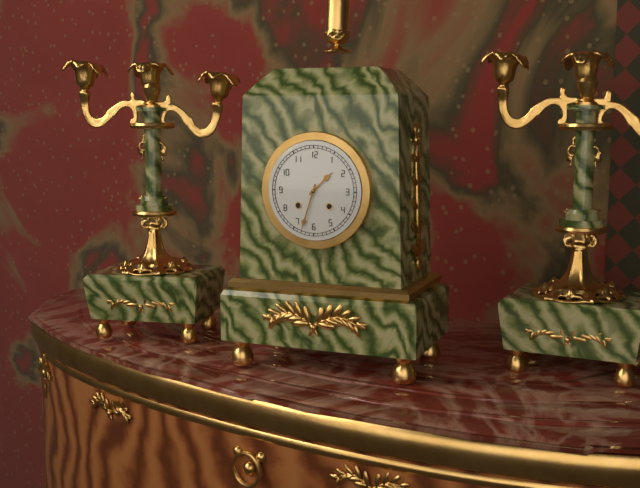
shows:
1,33
